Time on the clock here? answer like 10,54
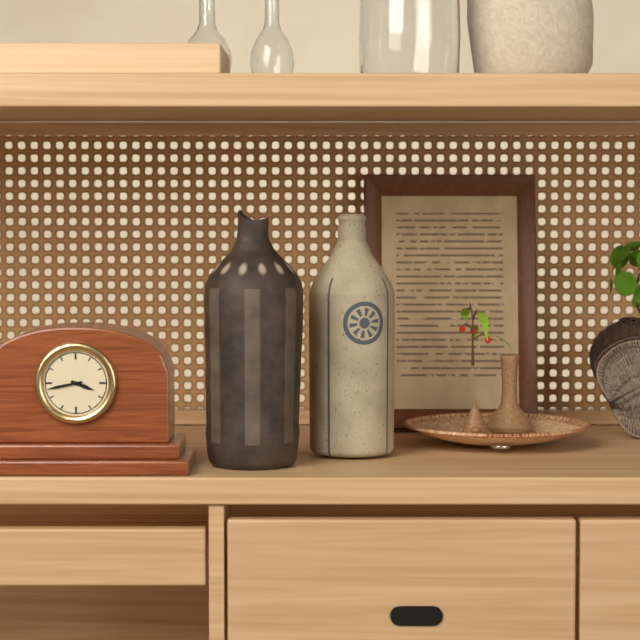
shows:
3,43
